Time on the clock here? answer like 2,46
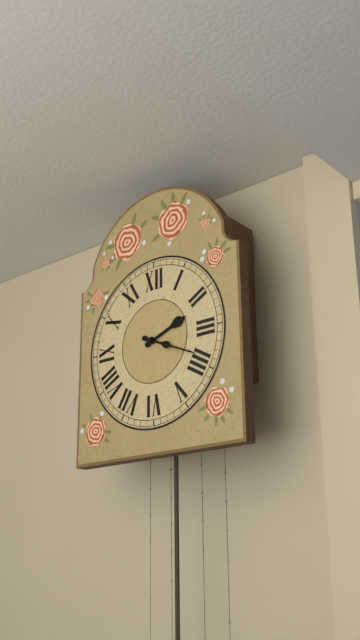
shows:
2,19
